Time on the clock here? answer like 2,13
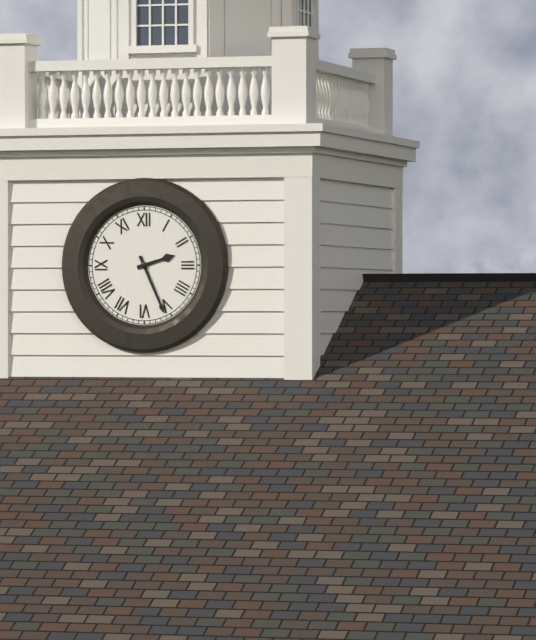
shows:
2,26
